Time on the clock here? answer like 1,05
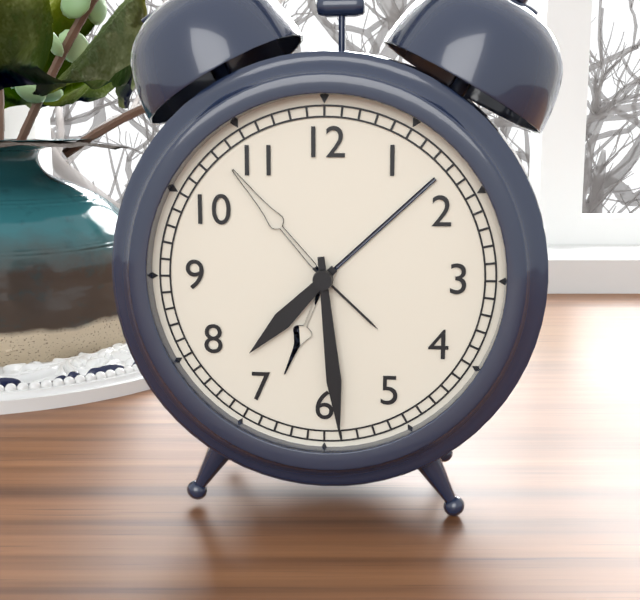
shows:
7,29
